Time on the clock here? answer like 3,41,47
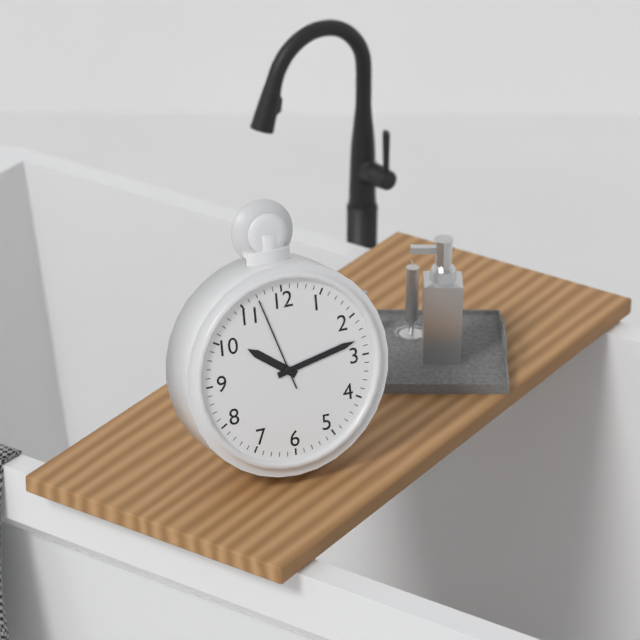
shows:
10,13,57
